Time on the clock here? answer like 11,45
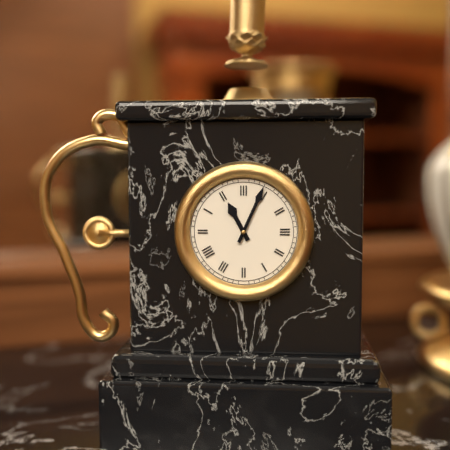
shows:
11,04
